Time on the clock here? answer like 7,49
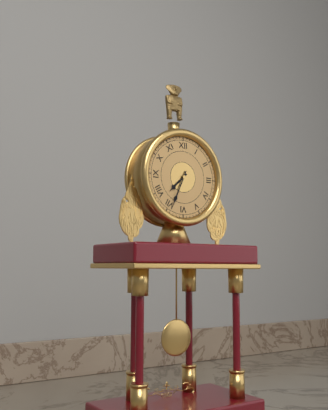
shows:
7,34
